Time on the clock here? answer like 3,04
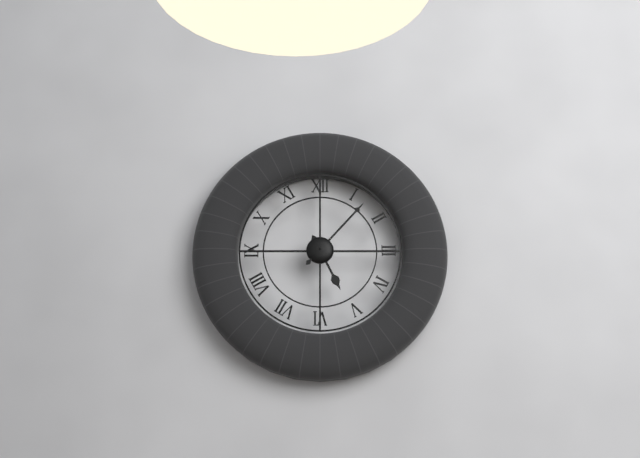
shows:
5,07
